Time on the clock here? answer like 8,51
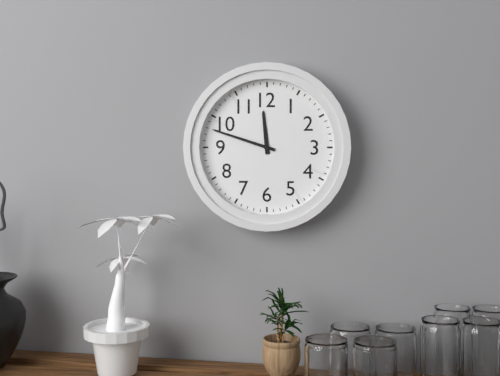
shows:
11,48
